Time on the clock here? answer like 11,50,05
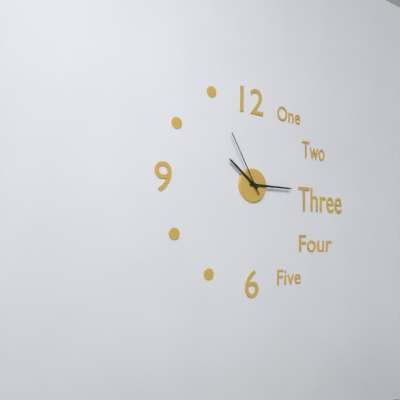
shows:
10,15,55
